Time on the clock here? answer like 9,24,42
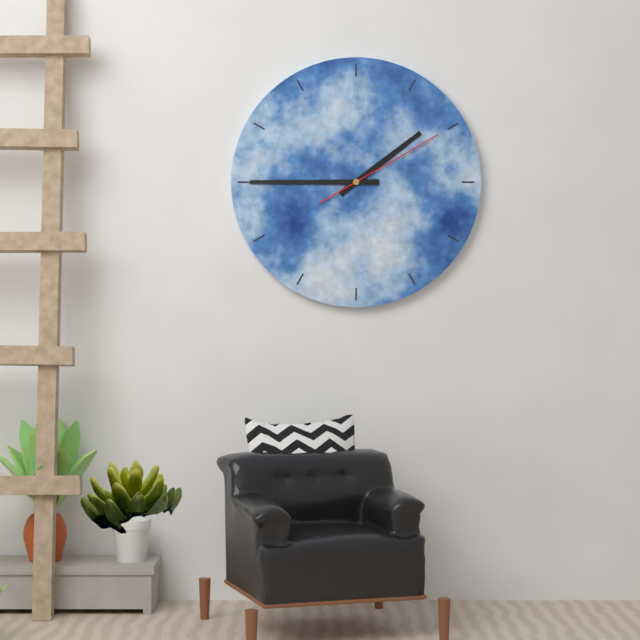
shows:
1,45,10
